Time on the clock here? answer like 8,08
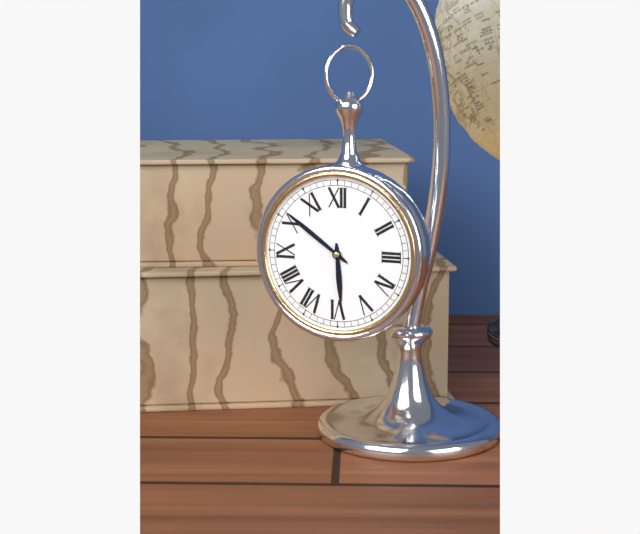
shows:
5,51
